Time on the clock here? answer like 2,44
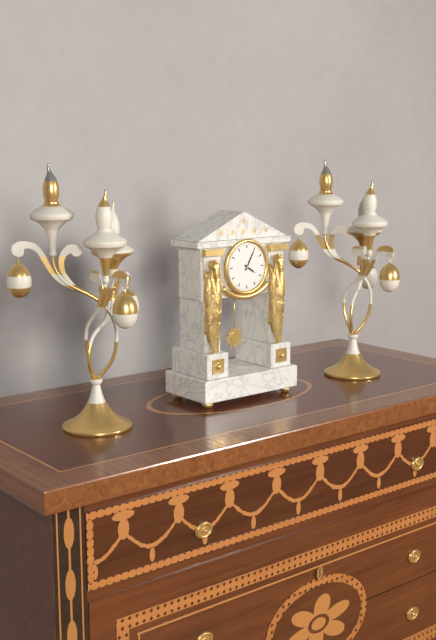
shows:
4,05
